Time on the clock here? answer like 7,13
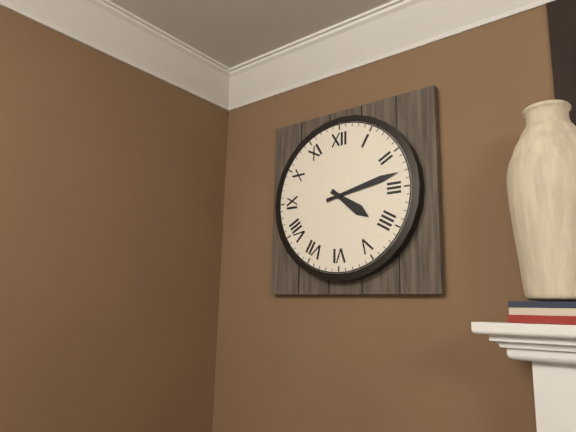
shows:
4,13
